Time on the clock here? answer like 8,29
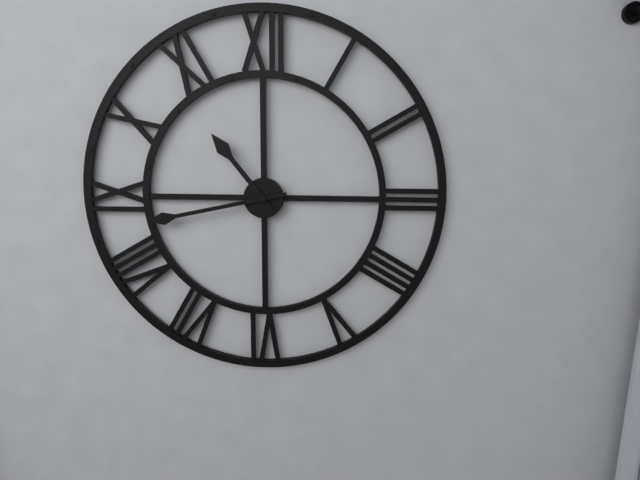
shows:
10,43
